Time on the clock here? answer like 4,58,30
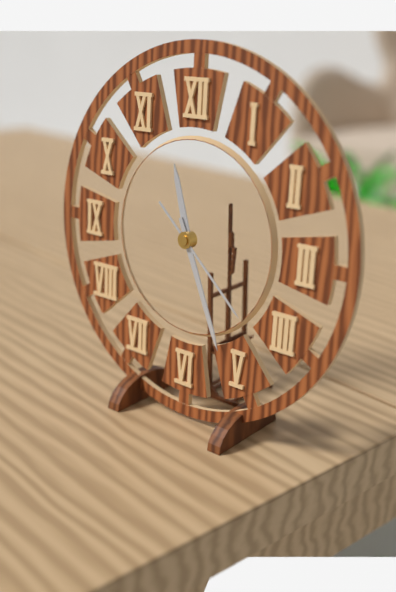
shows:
11,26,22
